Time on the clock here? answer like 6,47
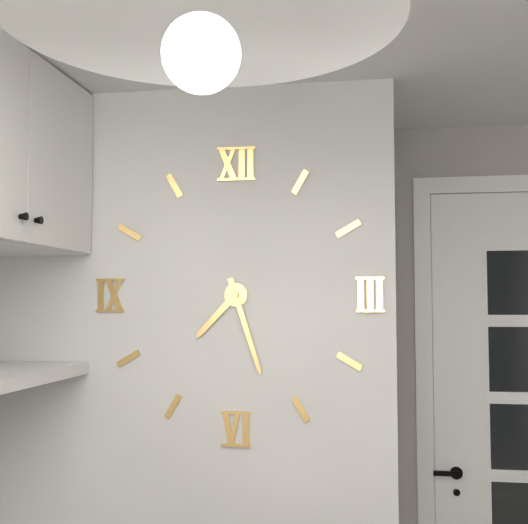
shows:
7,27
